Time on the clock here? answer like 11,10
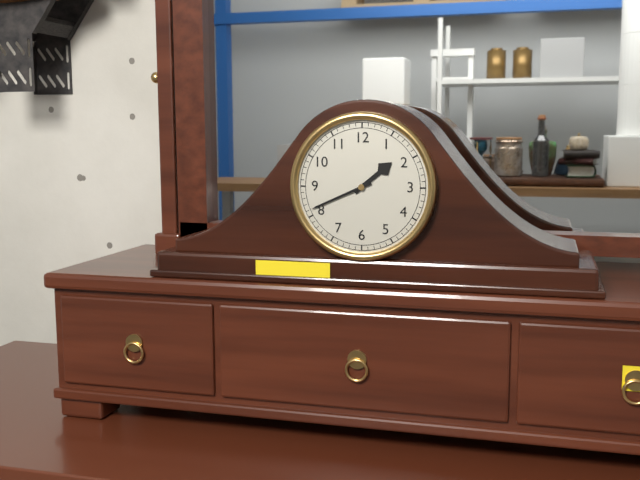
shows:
1,41
